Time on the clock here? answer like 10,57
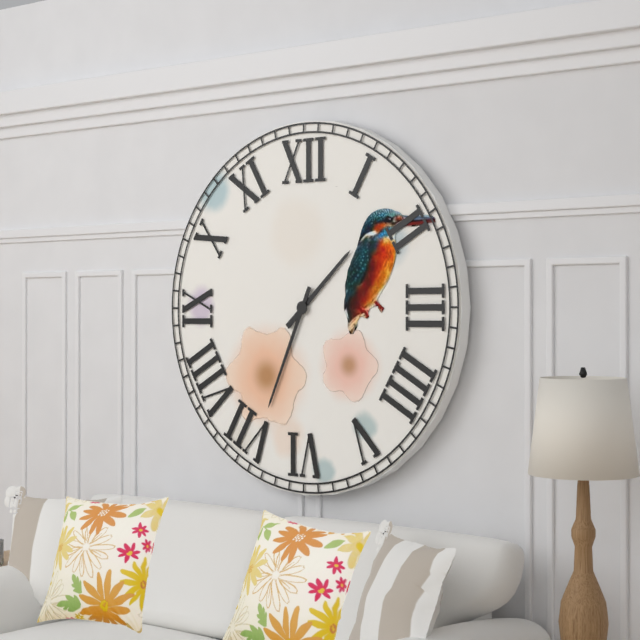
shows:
1,34
